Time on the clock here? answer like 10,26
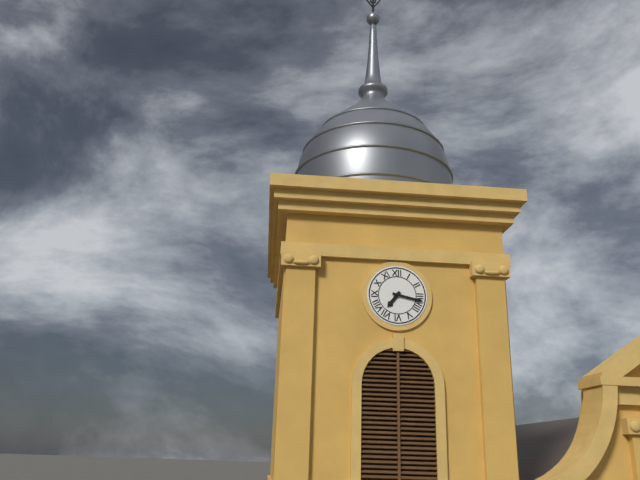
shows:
7,17
